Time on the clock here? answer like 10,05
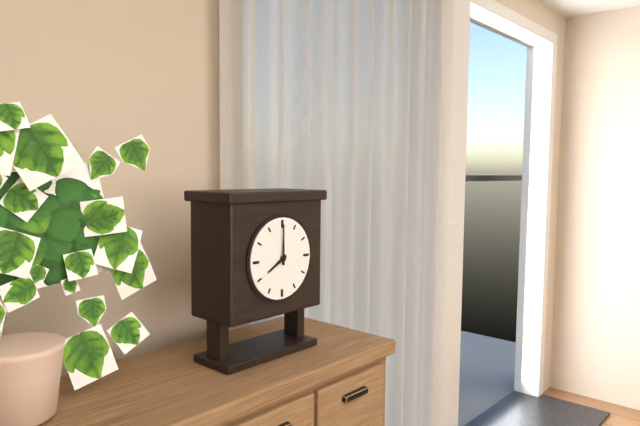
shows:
8,00
